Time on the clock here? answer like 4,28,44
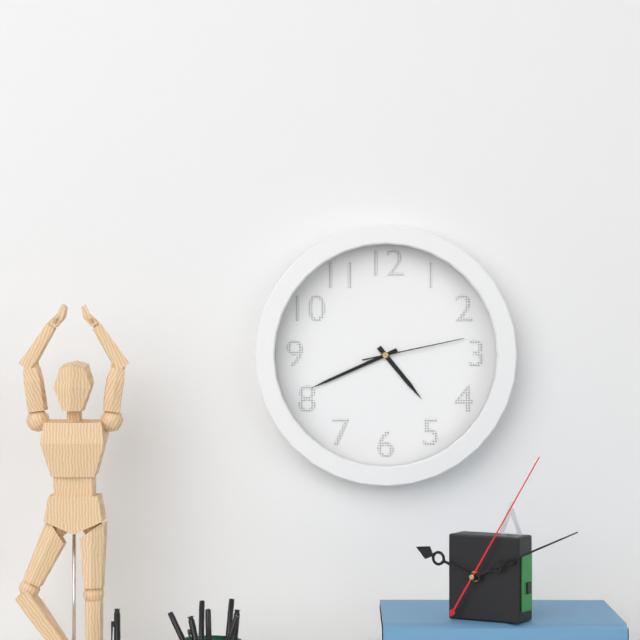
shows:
4,41,13
